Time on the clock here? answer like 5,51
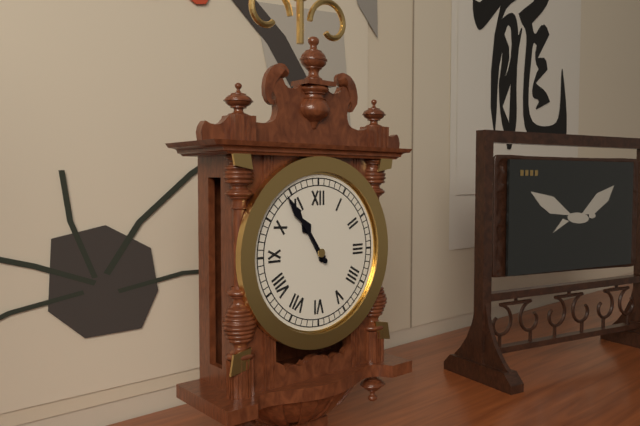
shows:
10,54
